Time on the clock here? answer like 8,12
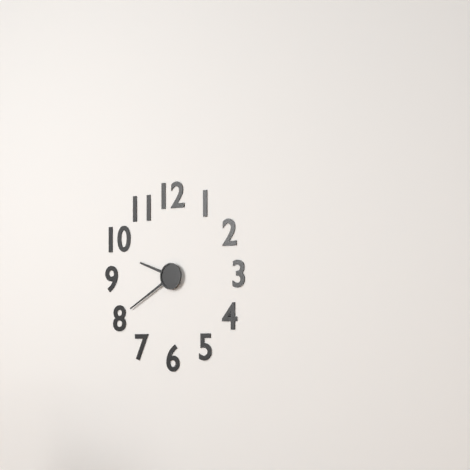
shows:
9,40
